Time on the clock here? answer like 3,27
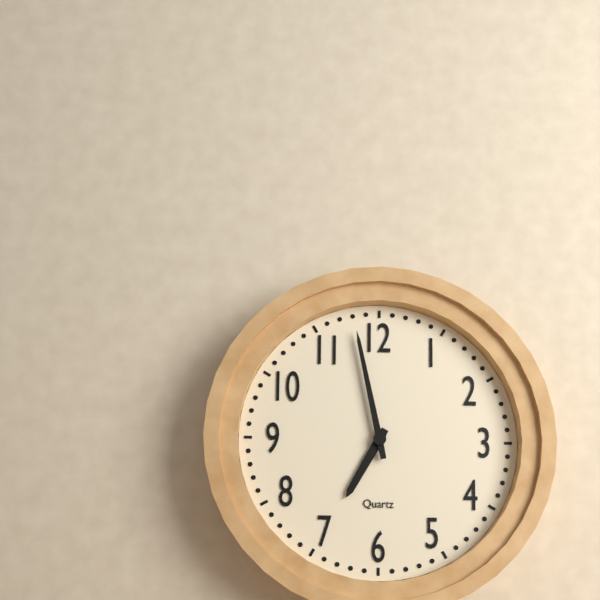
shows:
6,58
